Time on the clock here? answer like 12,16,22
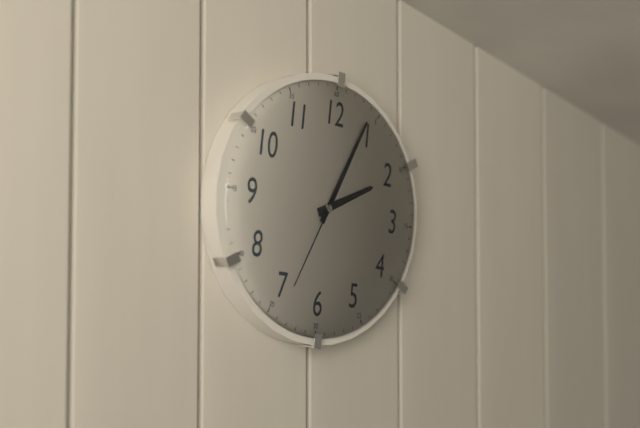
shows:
2,04,34
